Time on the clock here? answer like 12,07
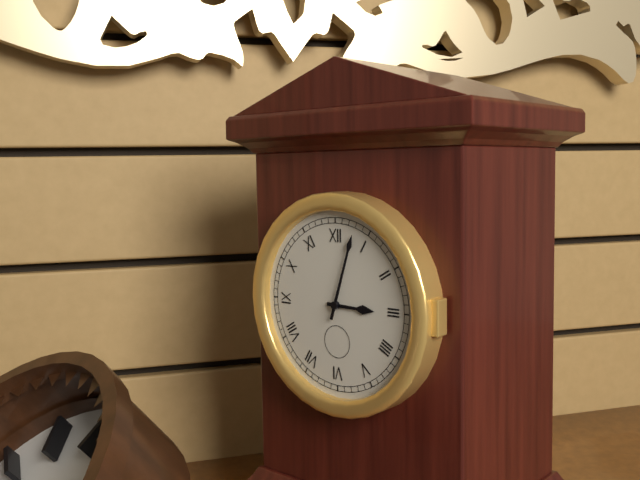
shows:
3,03
